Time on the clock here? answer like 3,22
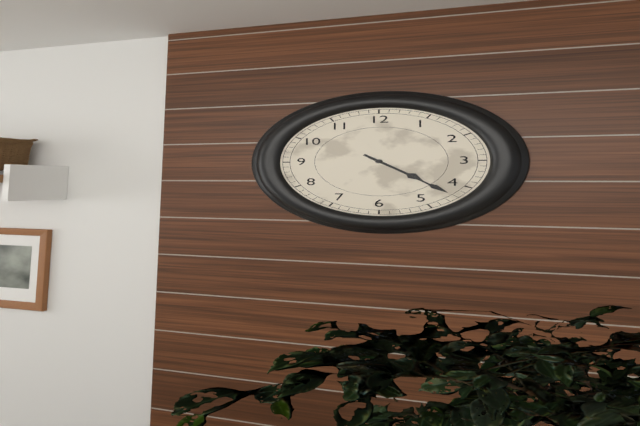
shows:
4,22
